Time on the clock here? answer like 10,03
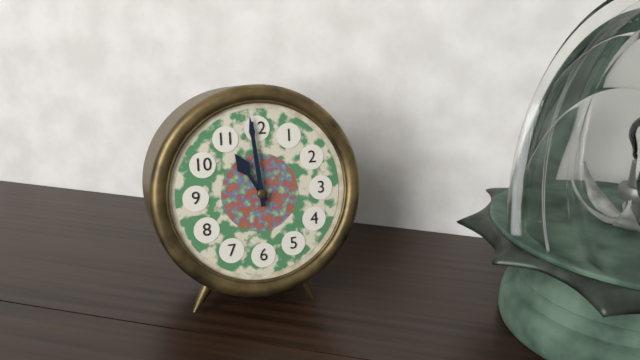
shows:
10,59
